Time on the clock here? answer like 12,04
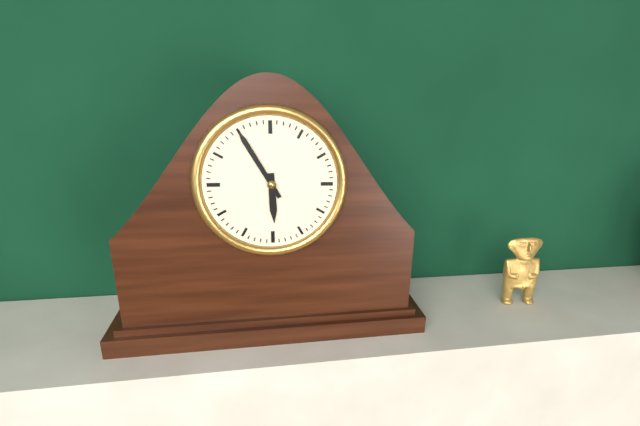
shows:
5,55
